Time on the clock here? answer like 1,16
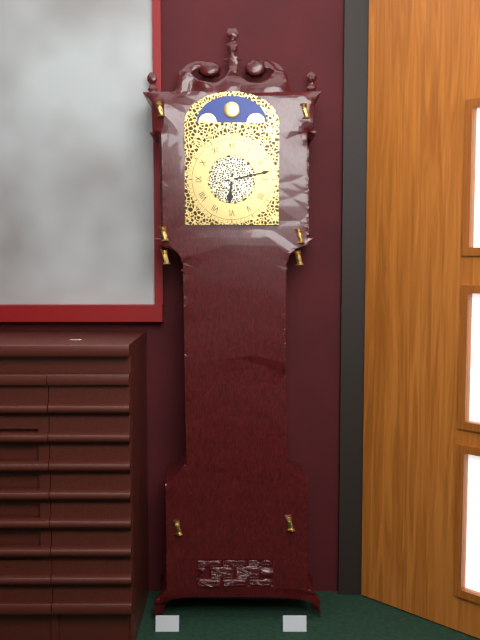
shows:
6,13
